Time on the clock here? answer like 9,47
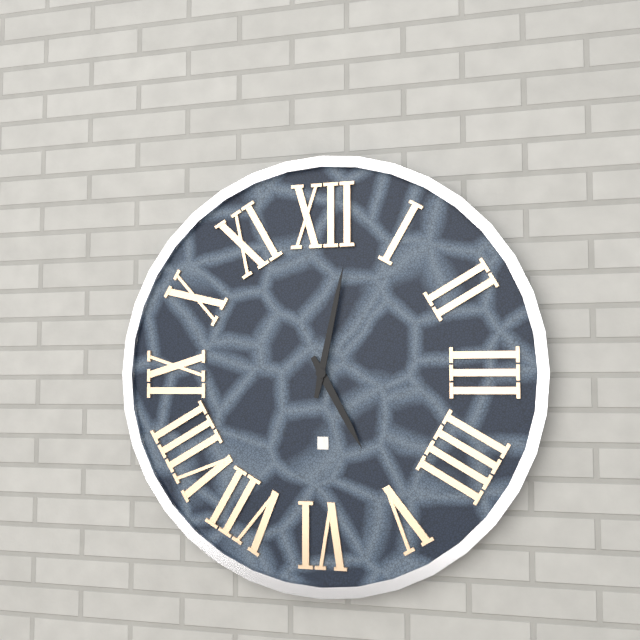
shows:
5,02
